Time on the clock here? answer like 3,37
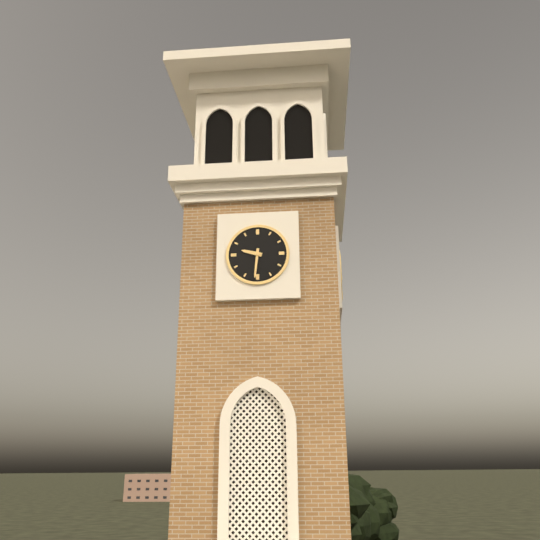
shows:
9,31
